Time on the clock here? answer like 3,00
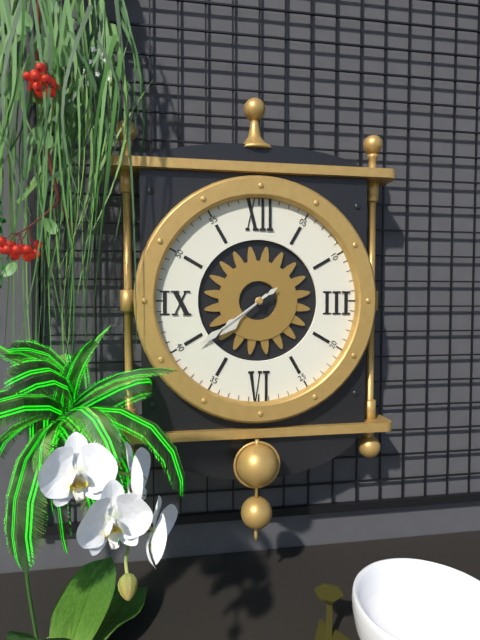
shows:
7,39
